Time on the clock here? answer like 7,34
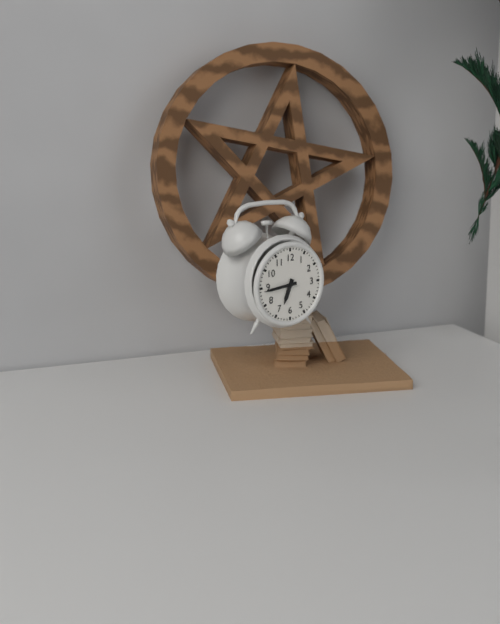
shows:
6,44
